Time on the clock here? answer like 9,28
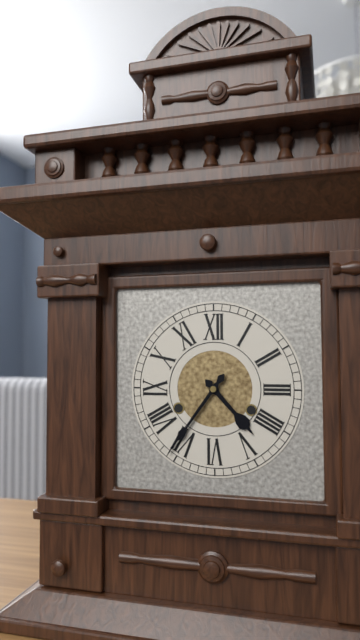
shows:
4,36
